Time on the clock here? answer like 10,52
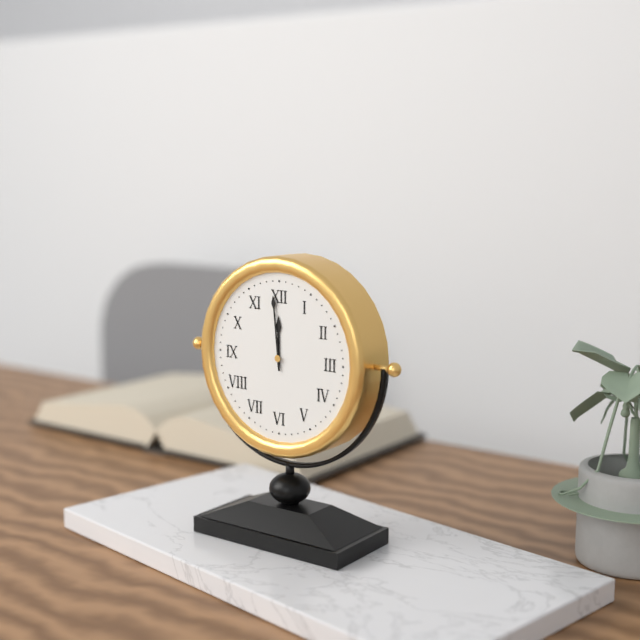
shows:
11,59
